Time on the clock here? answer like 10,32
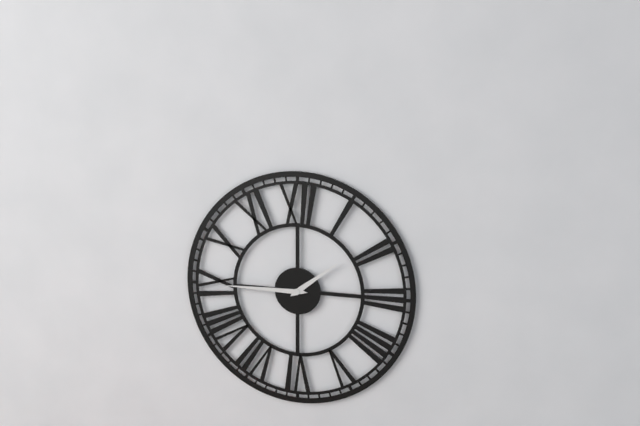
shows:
1,45
